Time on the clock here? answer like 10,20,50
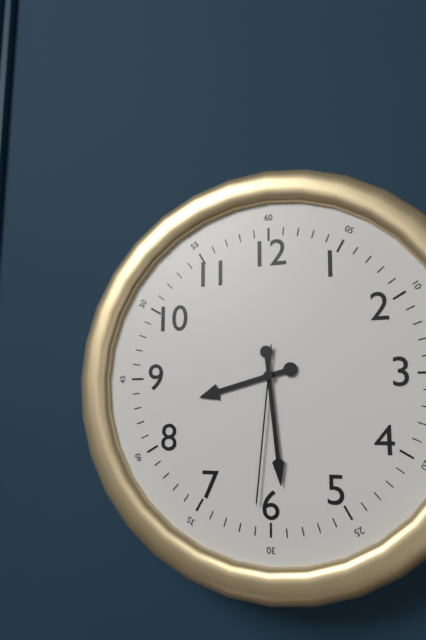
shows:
8,29,31
